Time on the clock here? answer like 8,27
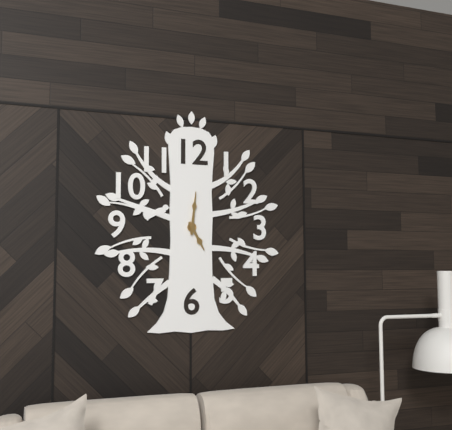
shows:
5,01
